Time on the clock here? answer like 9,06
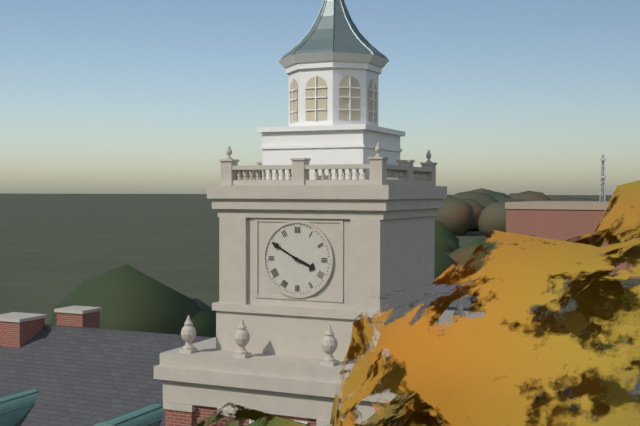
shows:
3,50
